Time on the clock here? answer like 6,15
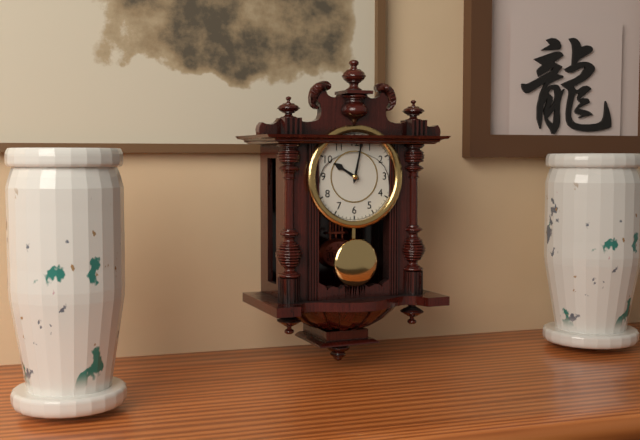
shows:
10,02
